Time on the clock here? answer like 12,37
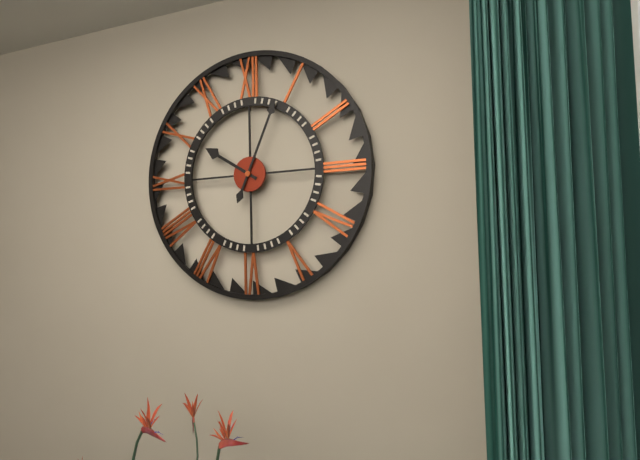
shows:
10,04
